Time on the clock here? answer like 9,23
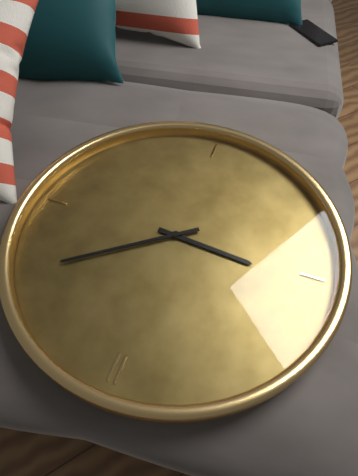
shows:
9,09
